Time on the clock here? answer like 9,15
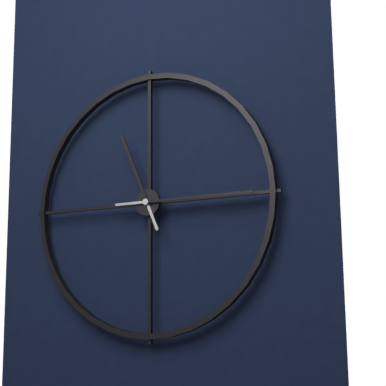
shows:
11,15
